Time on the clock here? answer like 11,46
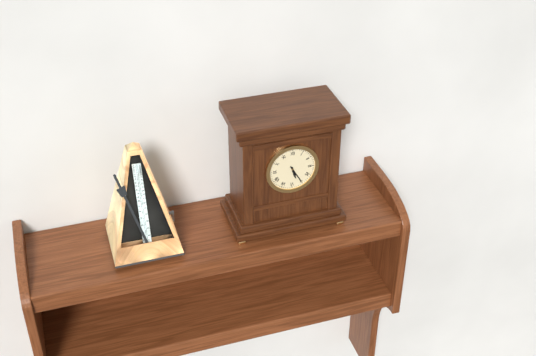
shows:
5,25
